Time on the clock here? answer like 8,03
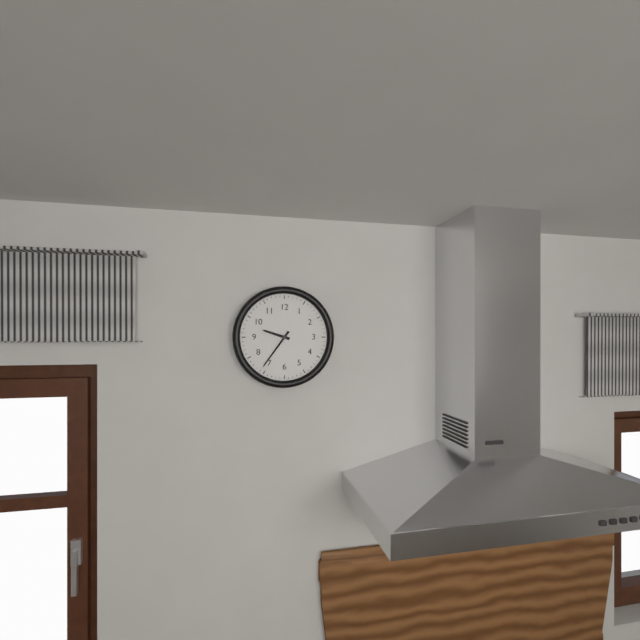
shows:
9,36
